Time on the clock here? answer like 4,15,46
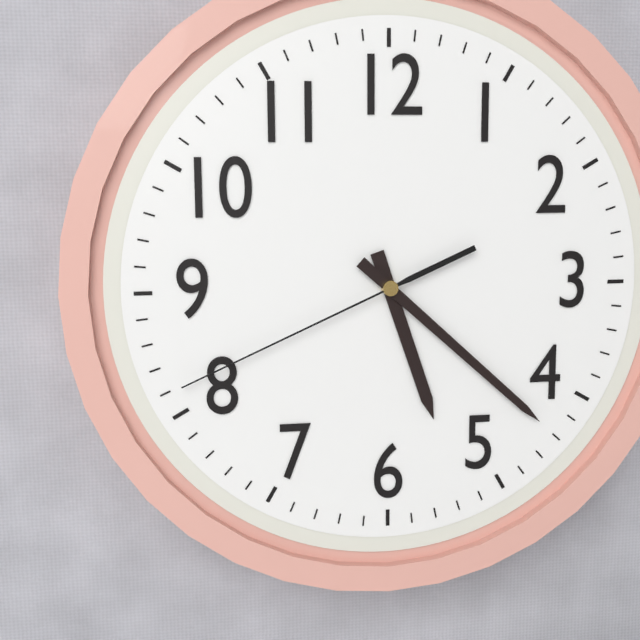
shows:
5,22,41
